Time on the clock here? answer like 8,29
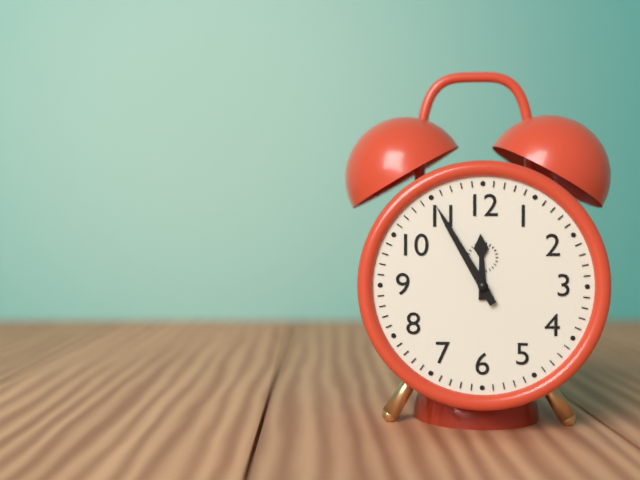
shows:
11,55
